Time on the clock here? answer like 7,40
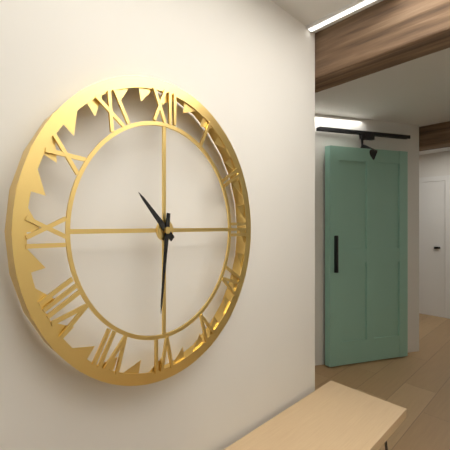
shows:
10,31
